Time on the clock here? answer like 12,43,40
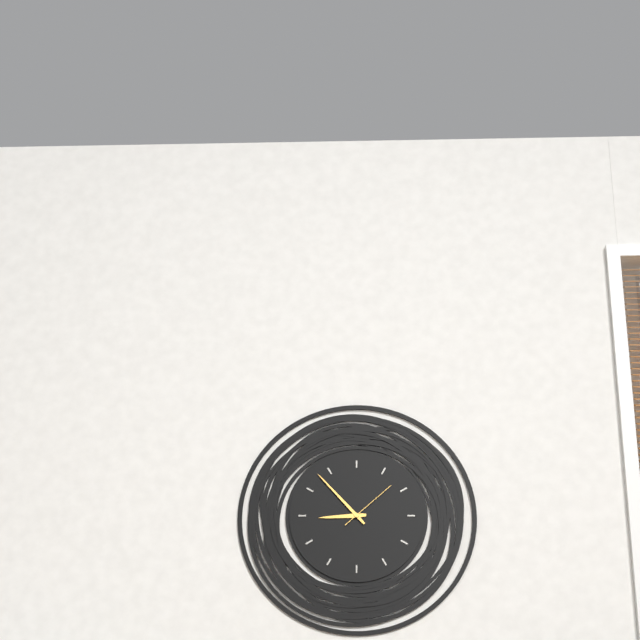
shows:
8,53,08
